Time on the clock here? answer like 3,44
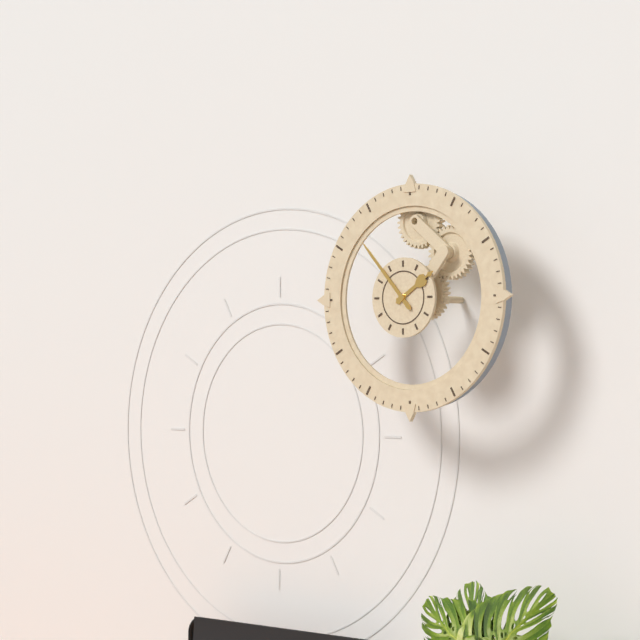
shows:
1,53
